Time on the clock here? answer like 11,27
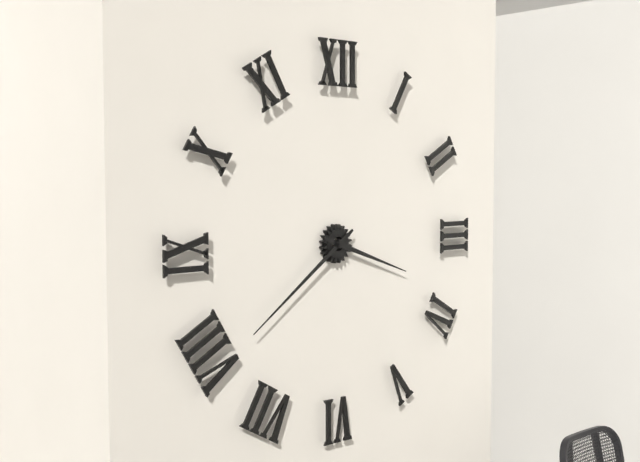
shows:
3,39
